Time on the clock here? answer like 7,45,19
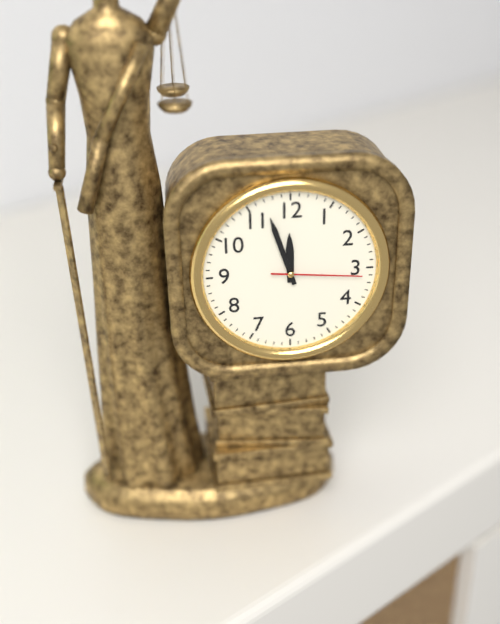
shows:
11,57,16
